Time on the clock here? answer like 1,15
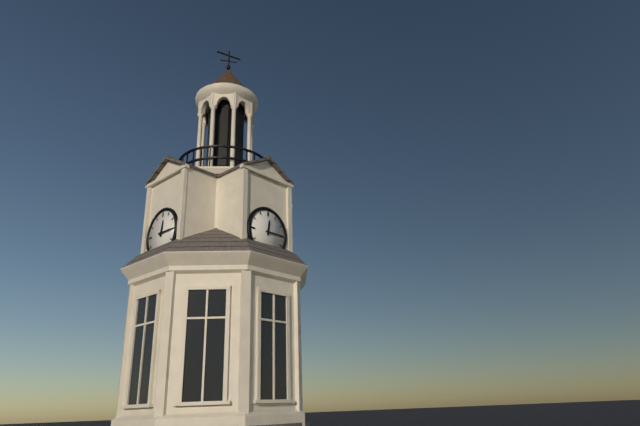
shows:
12,15
